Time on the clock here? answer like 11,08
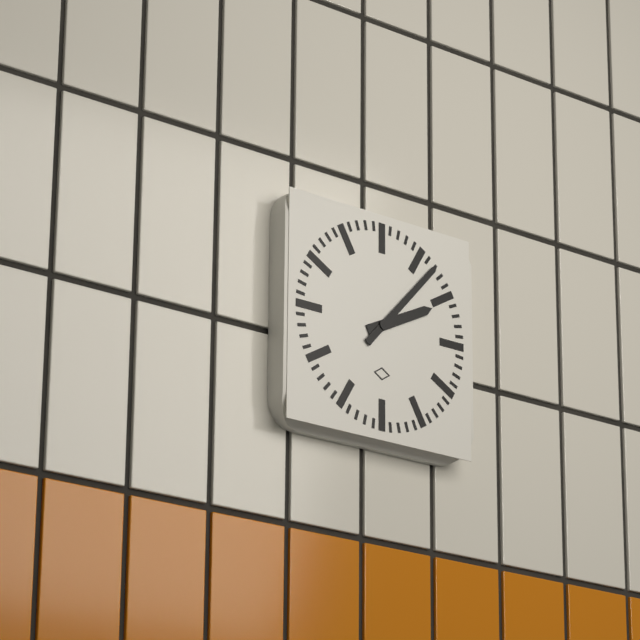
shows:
2,07
